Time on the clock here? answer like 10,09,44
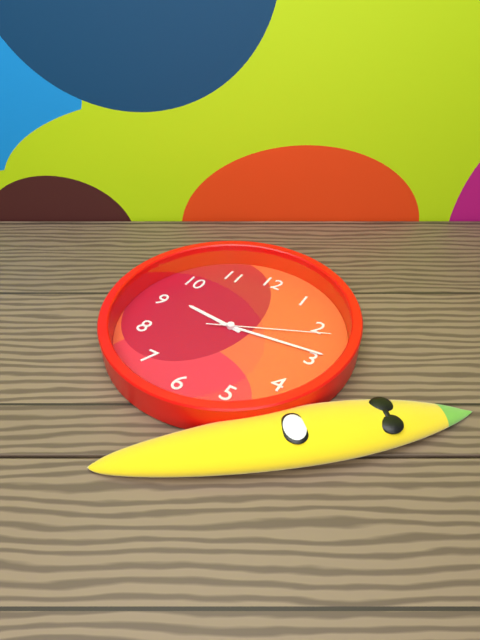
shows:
9,14,11
